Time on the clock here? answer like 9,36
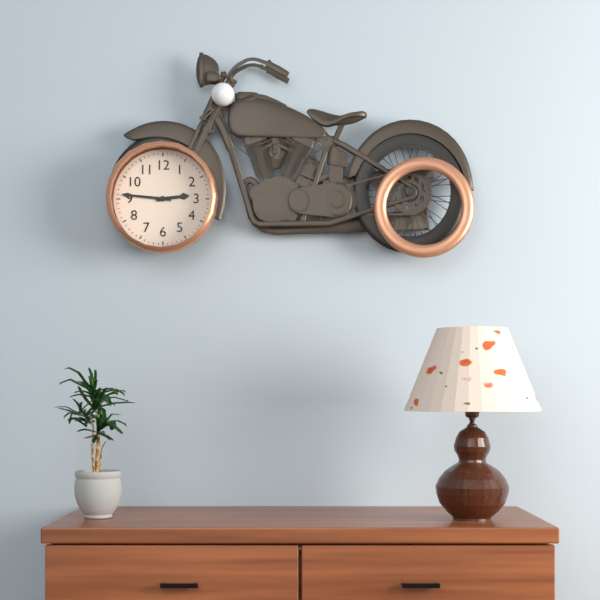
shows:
2,46
